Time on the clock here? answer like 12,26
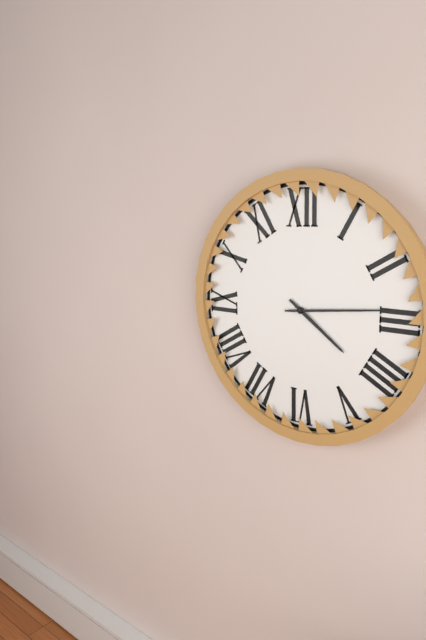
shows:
4,14
